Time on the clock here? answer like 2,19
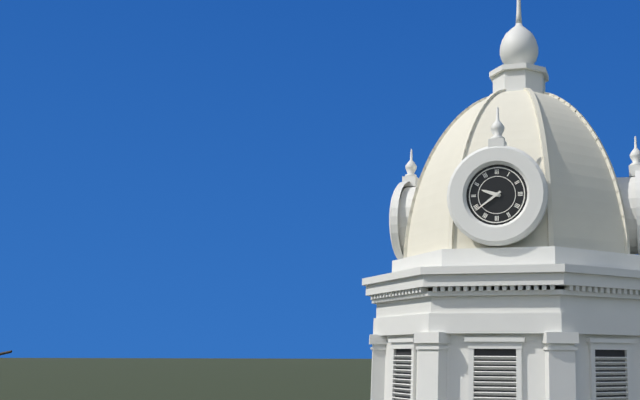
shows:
9,39
